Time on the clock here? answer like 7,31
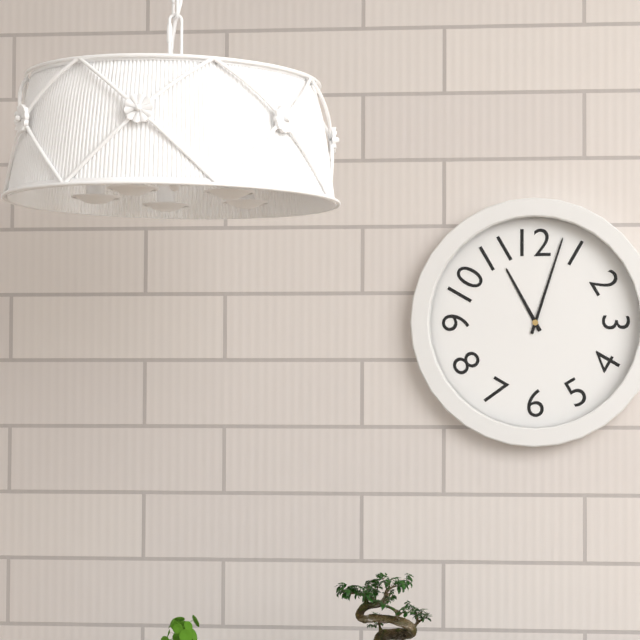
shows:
11,03
